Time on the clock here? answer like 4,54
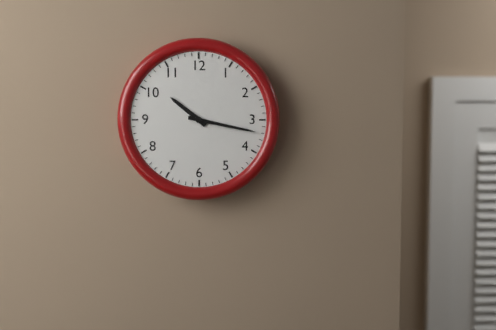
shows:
10,17
